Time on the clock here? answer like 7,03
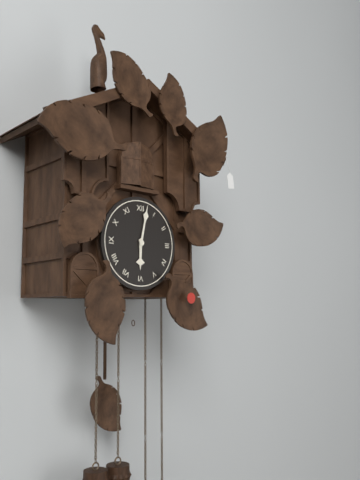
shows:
6,02
